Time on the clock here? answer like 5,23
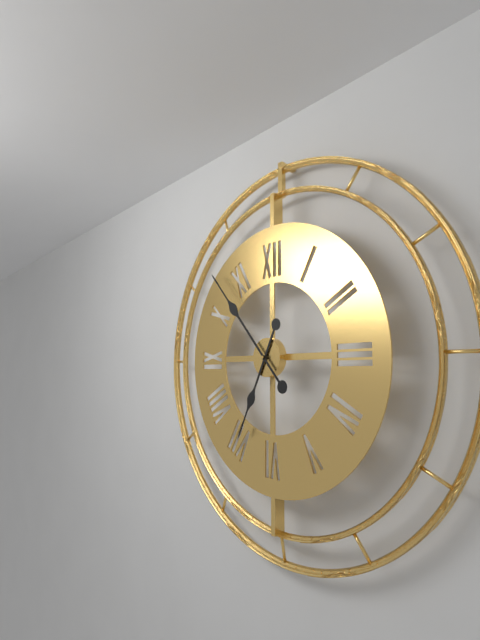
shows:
6,53
